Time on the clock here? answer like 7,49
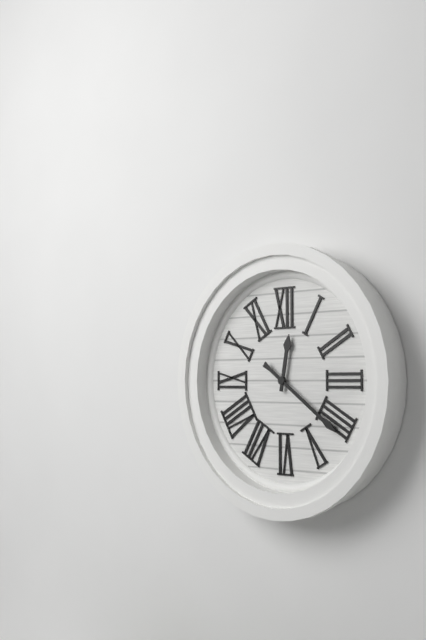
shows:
12,21
